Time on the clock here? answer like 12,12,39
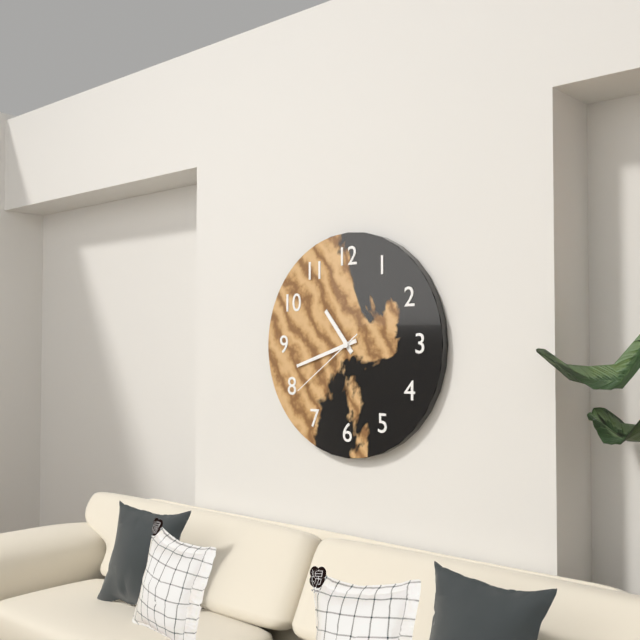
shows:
10,42,39
